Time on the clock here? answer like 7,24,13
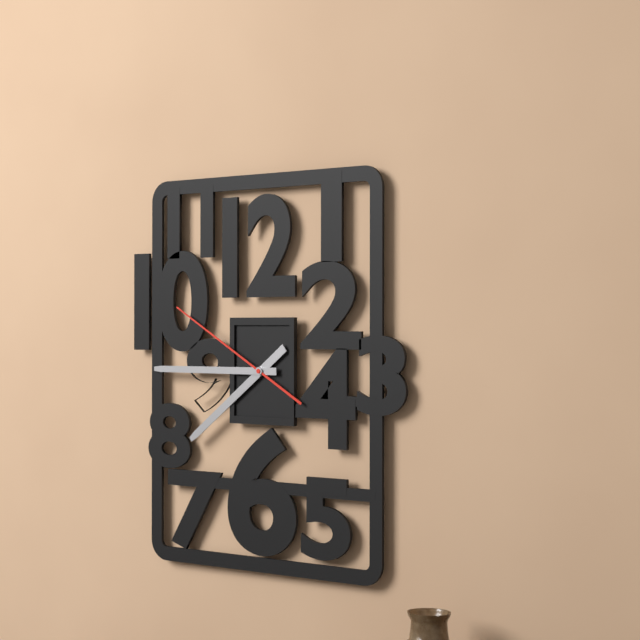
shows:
7,45,50
